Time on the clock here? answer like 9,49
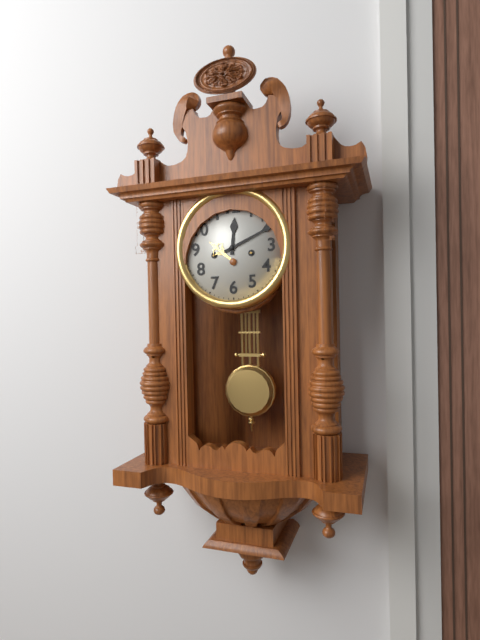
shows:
12,11
